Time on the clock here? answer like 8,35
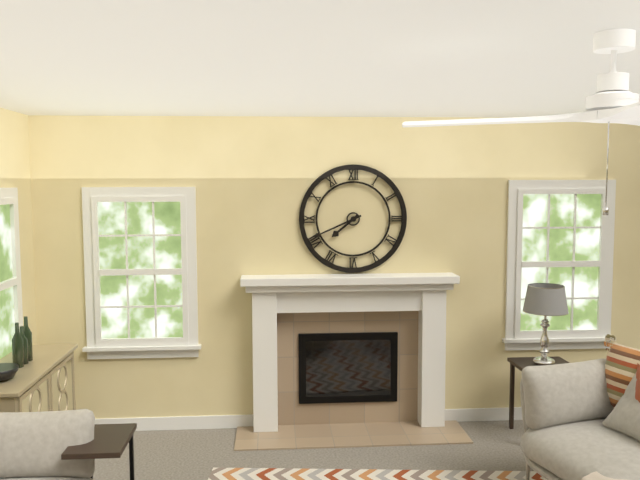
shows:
7,41
